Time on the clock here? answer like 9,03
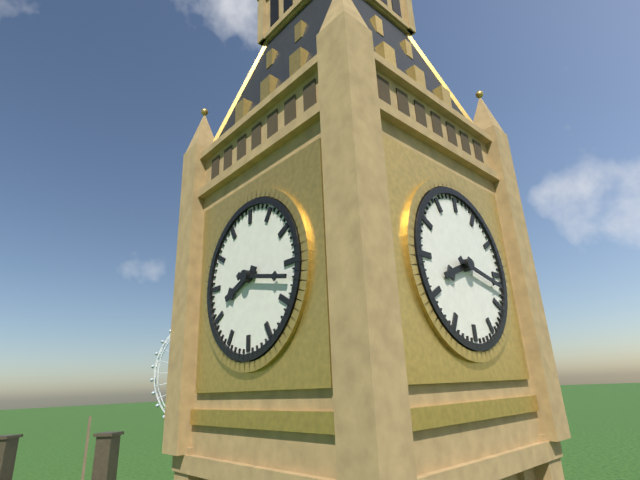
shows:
8,17
